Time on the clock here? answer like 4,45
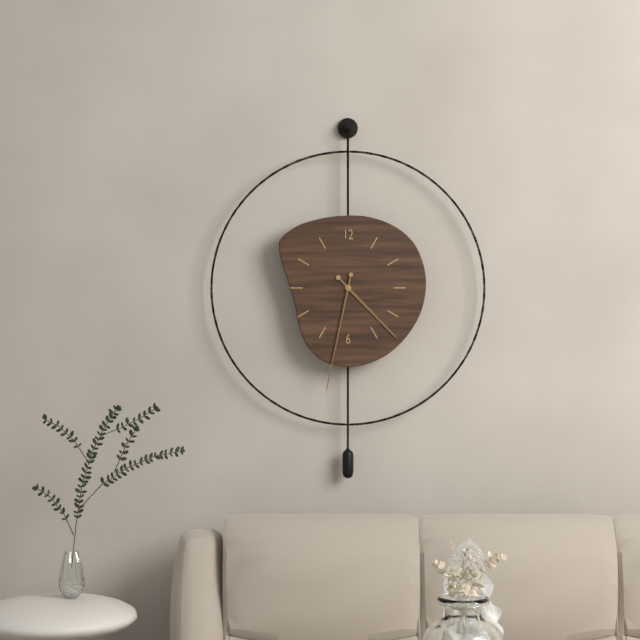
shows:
4,32
